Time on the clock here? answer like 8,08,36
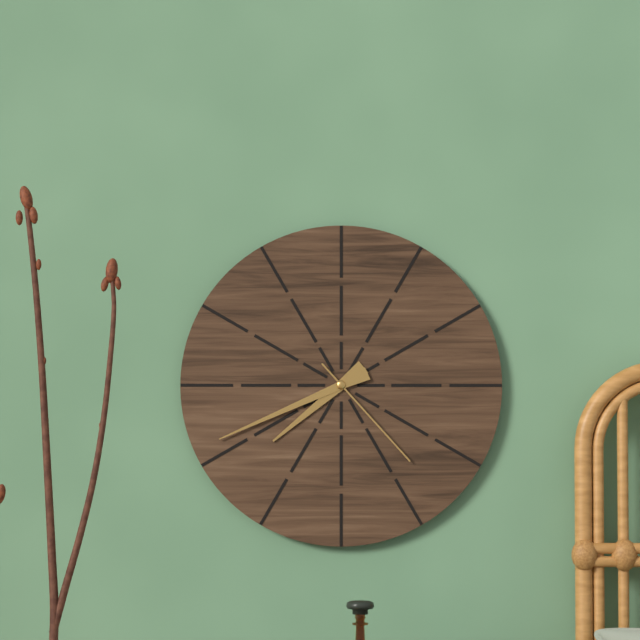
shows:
7,41,23
